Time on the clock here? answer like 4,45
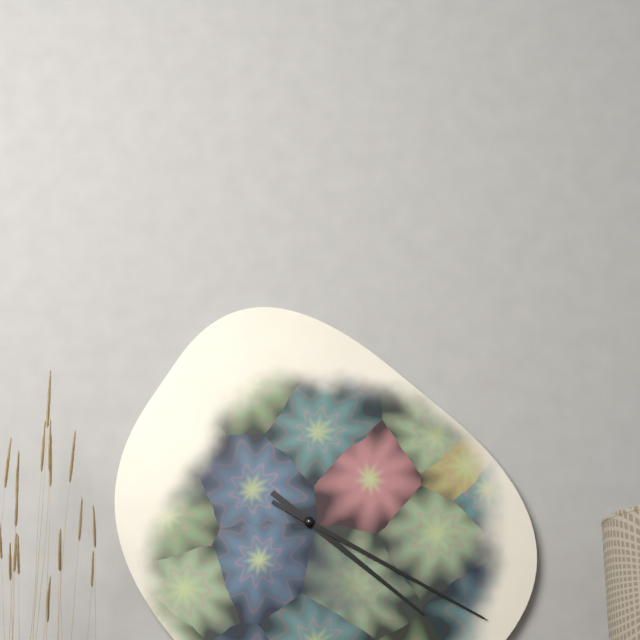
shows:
4,20
